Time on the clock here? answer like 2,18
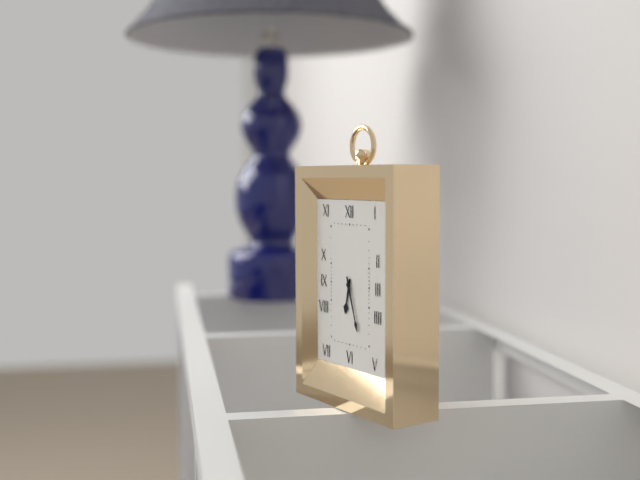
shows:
6,27
